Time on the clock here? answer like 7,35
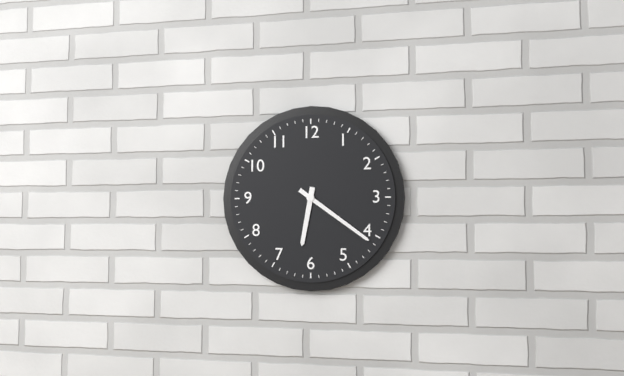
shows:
6,21
